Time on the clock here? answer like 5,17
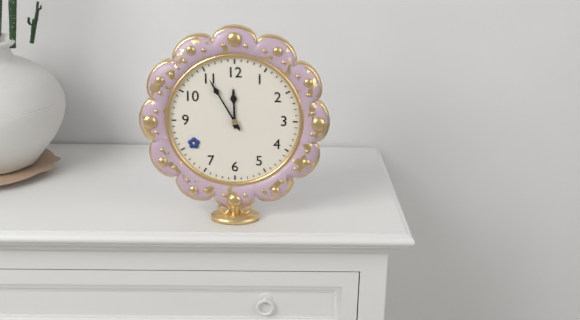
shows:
11,55
